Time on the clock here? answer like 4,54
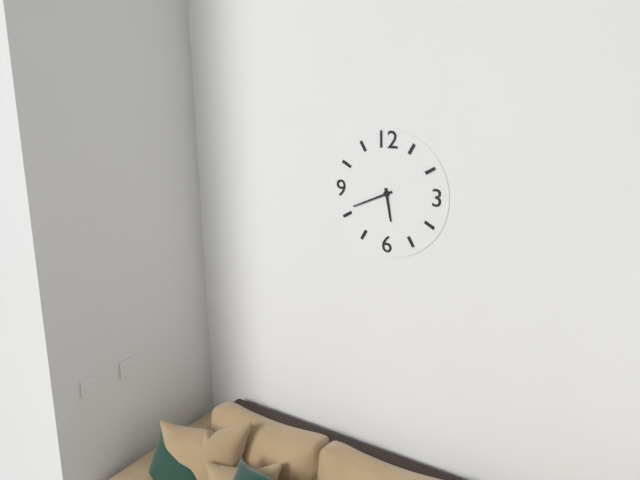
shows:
5,41
